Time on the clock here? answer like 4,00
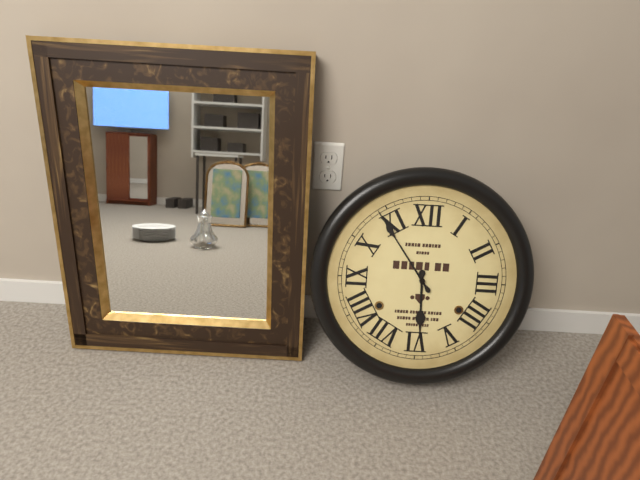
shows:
5,54
